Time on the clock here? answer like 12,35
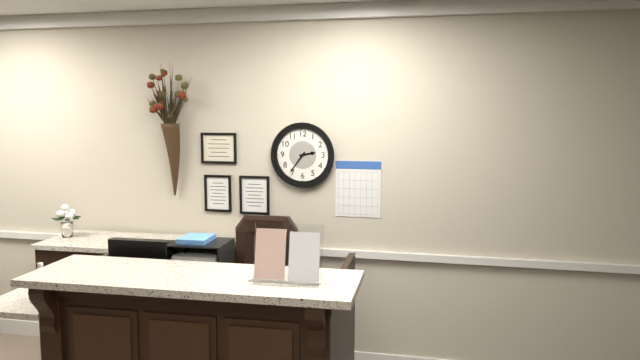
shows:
2,36
